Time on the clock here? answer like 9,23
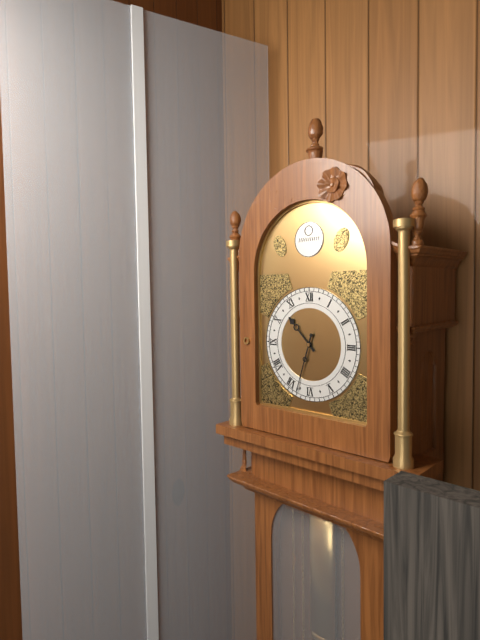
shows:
10,33
